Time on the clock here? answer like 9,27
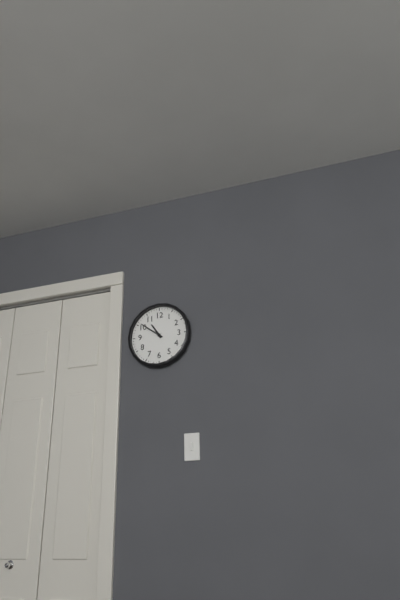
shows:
10,51
